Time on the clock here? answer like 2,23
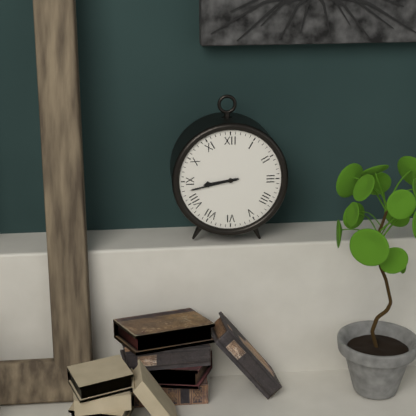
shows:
8,43
